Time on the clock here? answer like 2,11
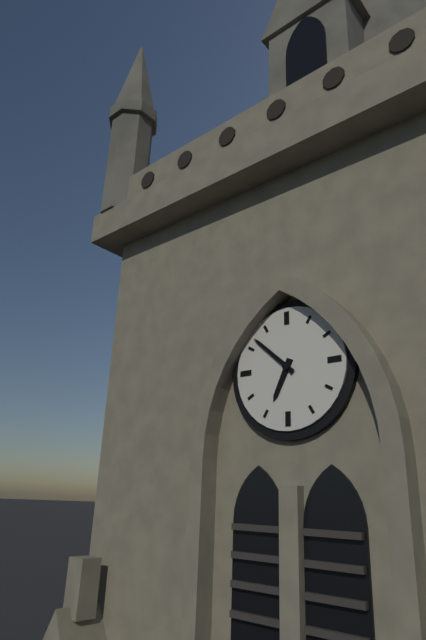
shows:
6,52
